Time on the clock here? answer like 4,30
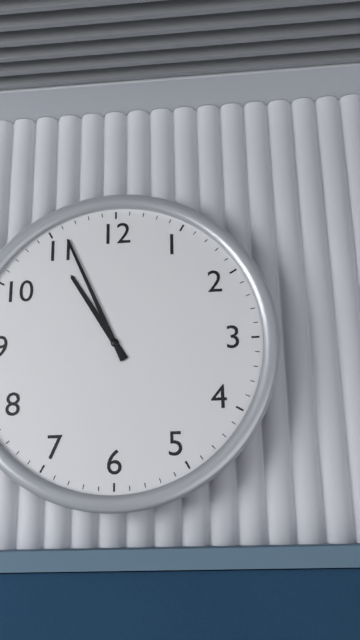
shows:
10,56
